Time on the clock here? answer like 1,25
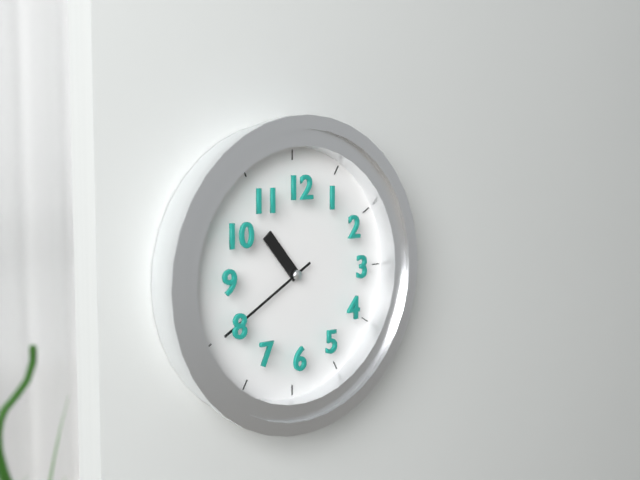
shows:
10,40
